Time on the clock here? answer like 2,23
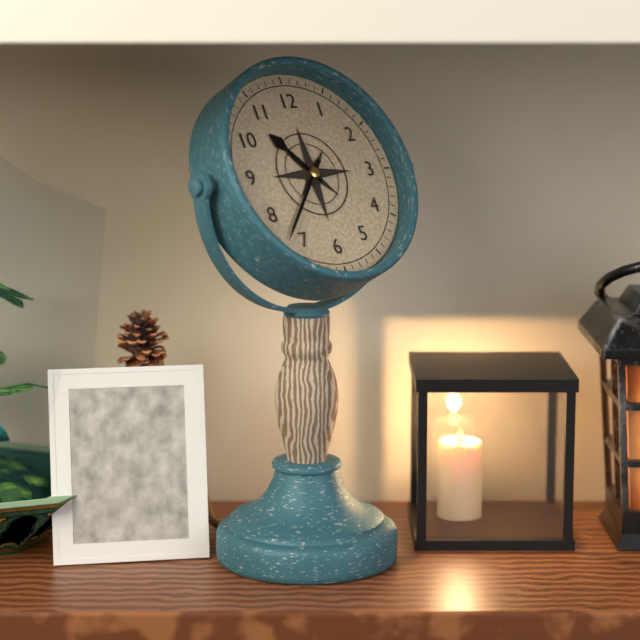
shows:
10,37
